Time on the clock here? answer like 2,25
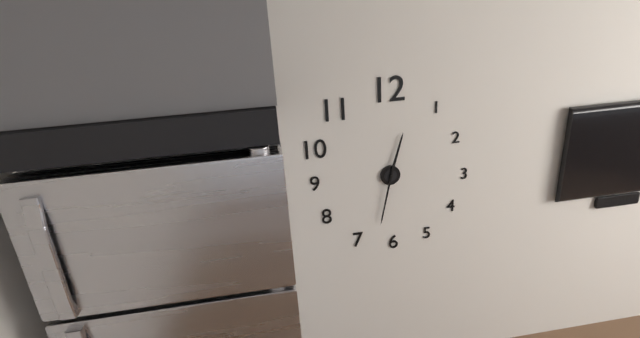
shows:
12,32
